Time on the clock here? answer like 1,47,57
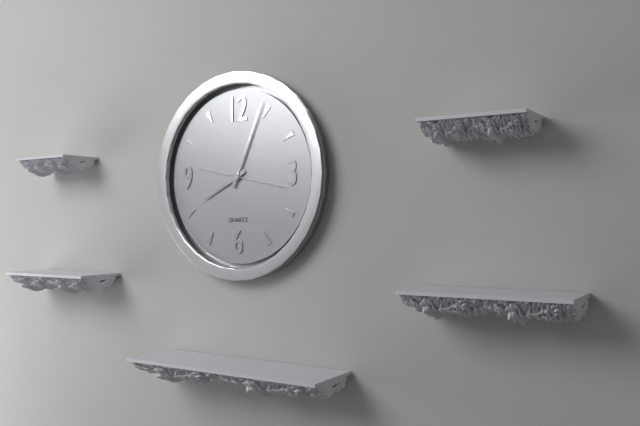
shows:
8,04,17
